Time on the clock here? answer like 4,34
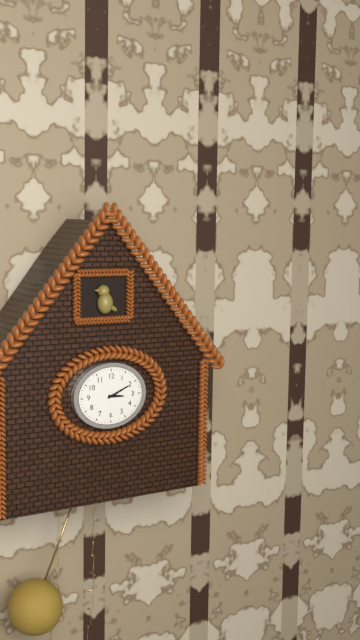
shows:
3,11
